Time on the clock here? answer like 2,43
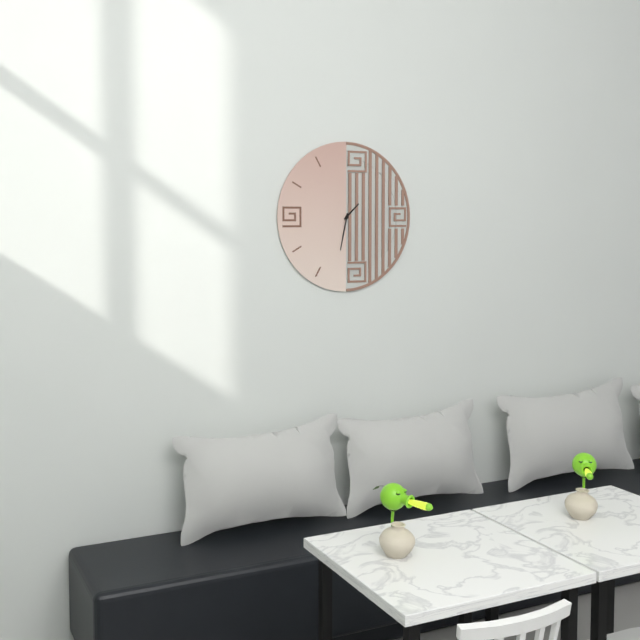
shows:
1,32
